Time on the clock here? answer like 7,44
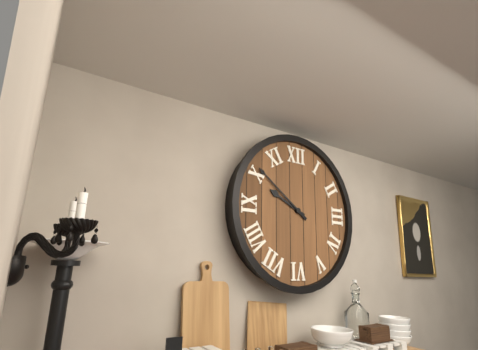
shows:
9,51
